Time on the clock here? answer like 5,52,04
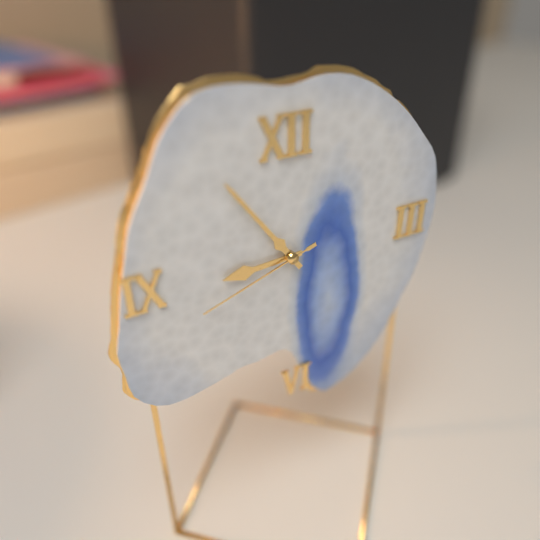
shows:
8,54,42
